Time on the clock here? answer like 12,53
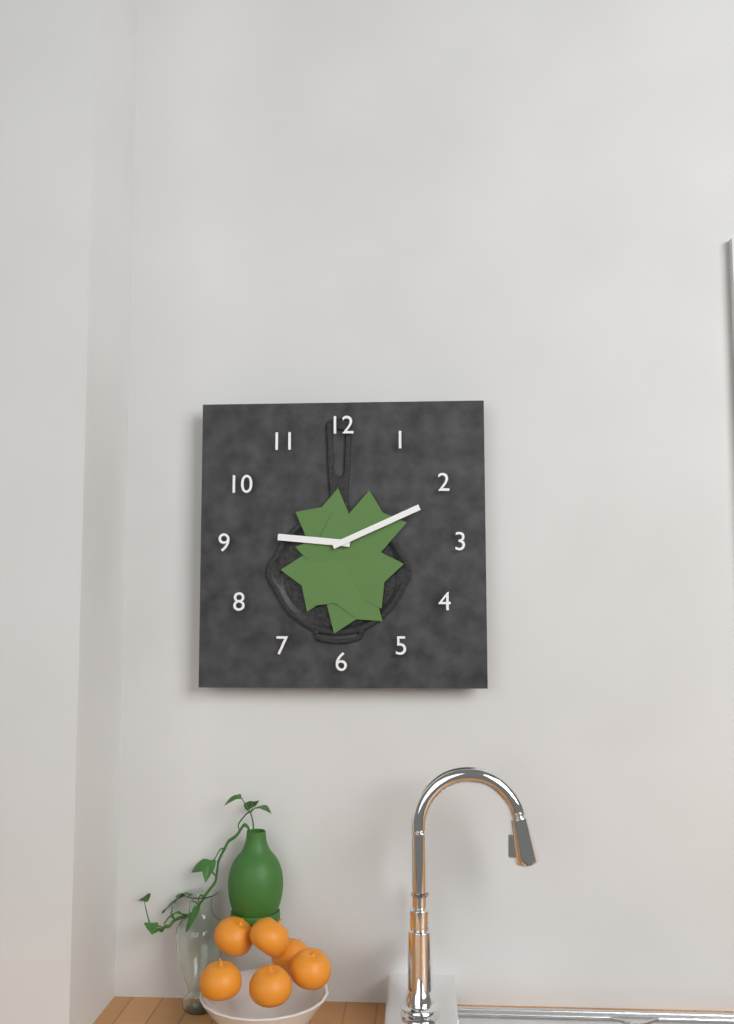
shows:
9,11
